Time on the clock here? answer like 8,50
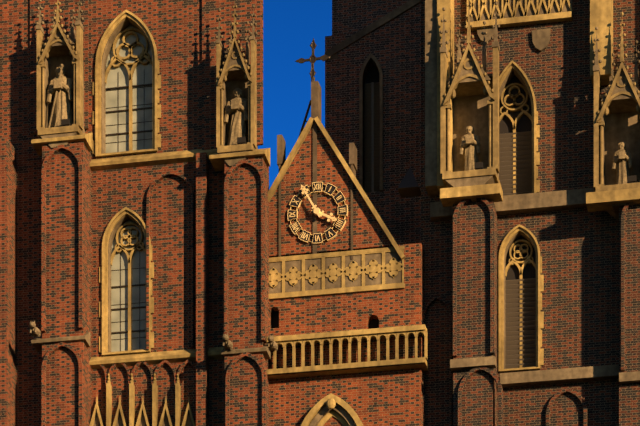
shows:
3,55
